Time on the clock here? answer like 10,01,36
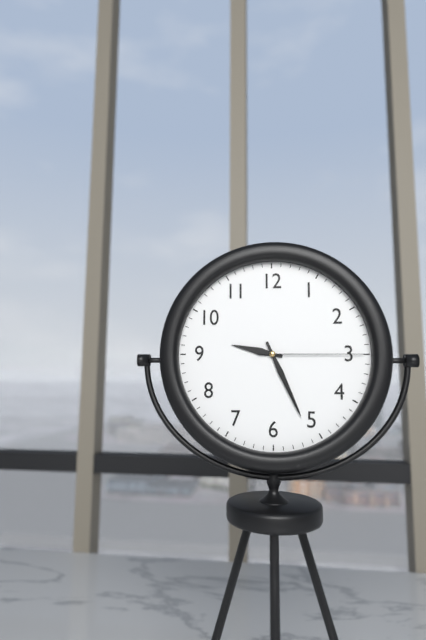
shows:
9,26,15
